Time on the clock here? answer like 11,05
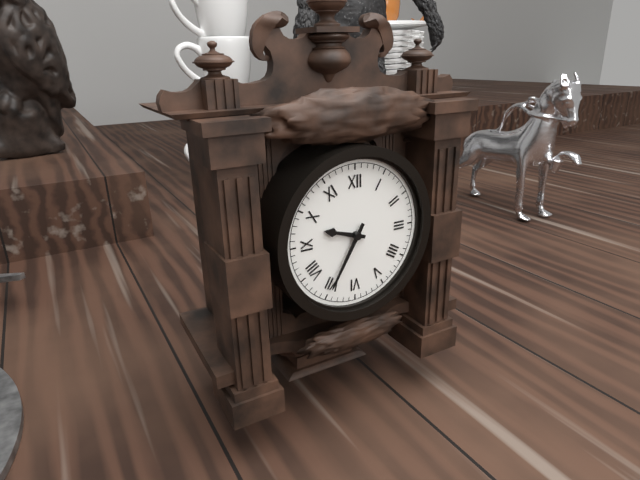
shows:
9,35
